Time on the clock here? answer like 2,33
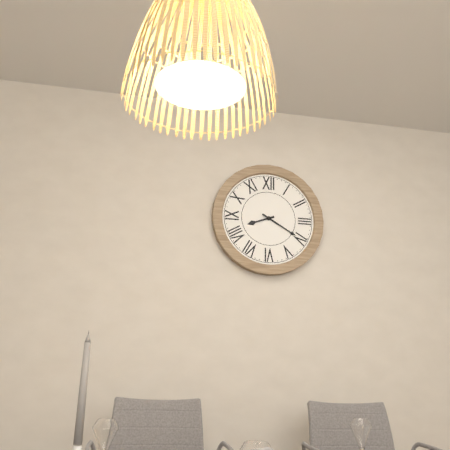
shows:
8,20
